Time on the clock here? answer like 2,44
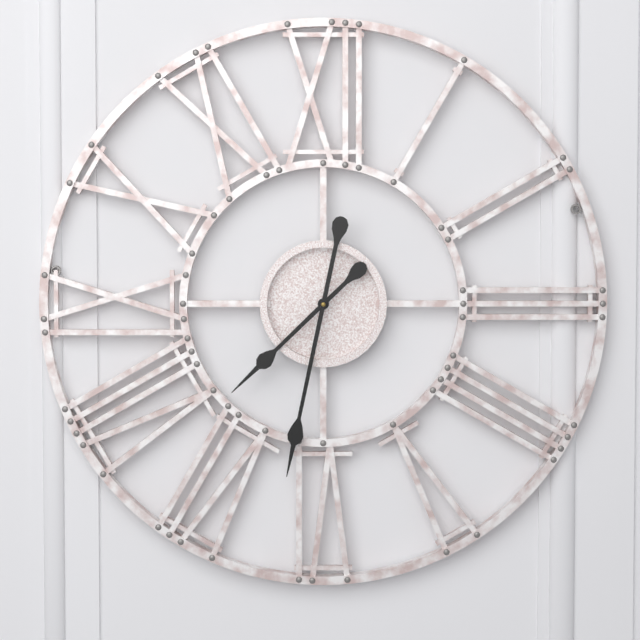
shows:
7,32
